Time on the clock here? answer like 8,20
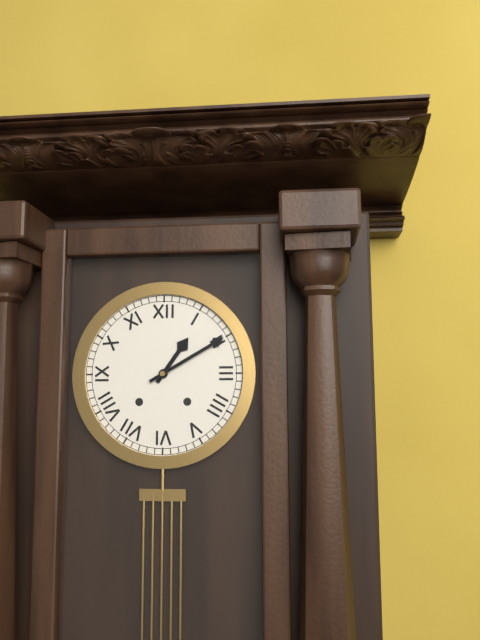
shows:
1,10
